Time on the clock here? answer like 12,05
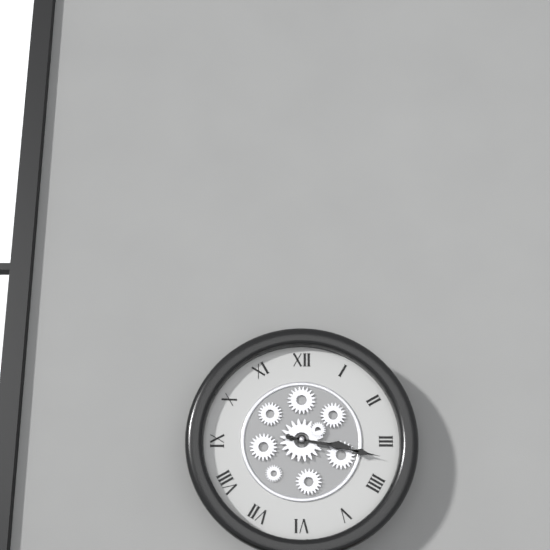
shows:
3,17
